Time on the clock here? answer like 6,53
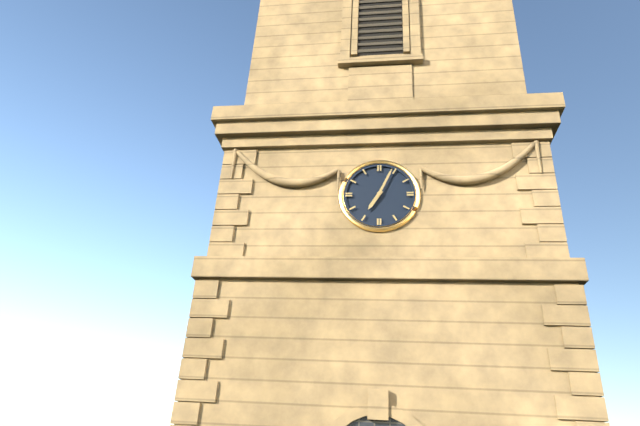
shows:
7,04
